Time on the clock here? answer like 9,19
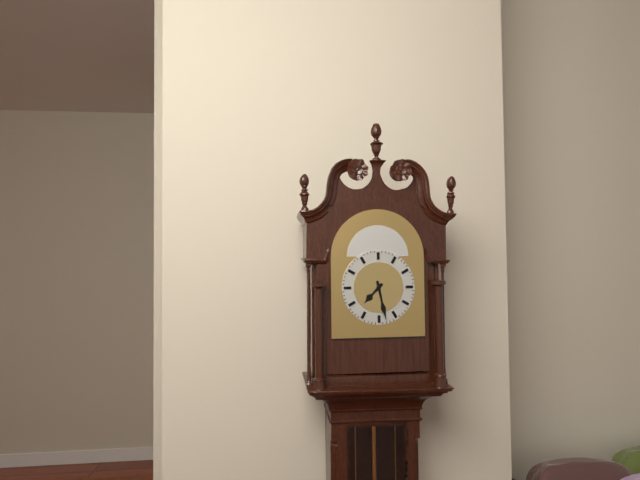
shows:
7,28
